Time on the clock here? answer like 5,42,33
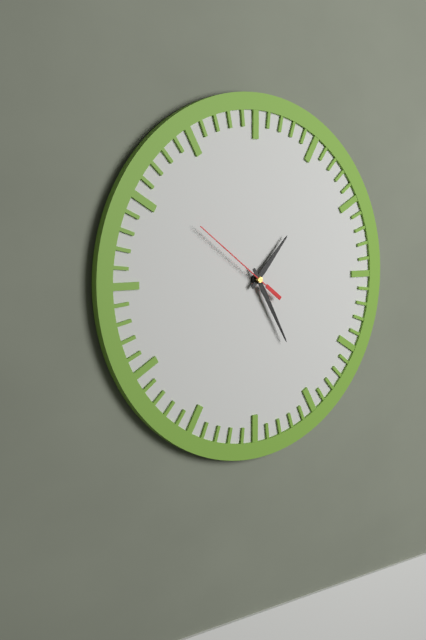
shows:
1,25,51
